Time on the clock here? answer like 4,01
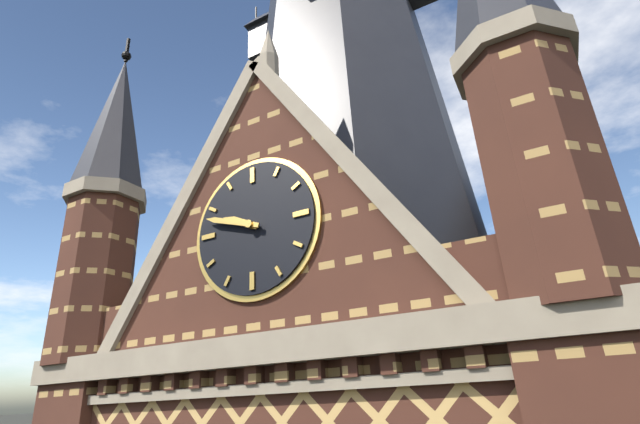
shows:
9,48
